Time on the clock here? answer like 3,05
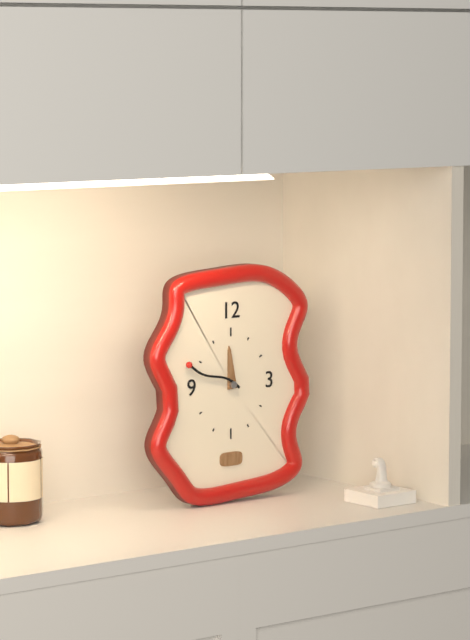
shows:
11,49
